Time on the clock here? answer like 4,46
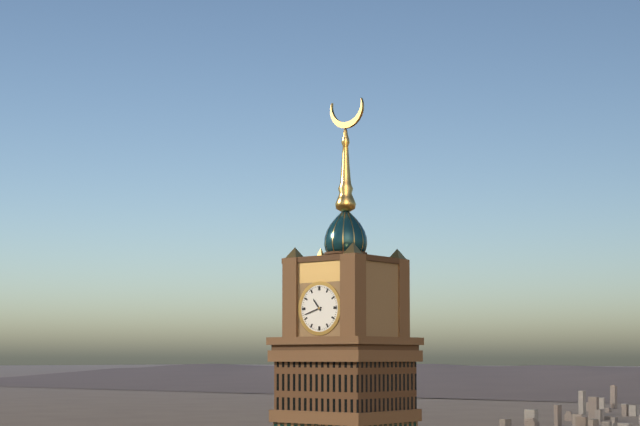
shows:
10,42
